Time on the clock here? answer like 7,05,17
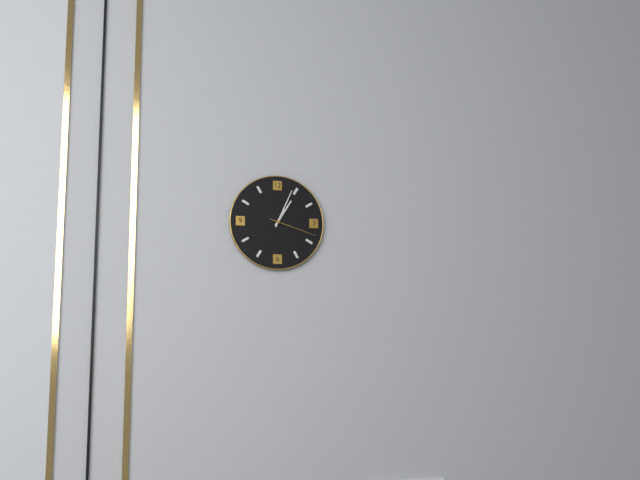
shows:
1,04,18
